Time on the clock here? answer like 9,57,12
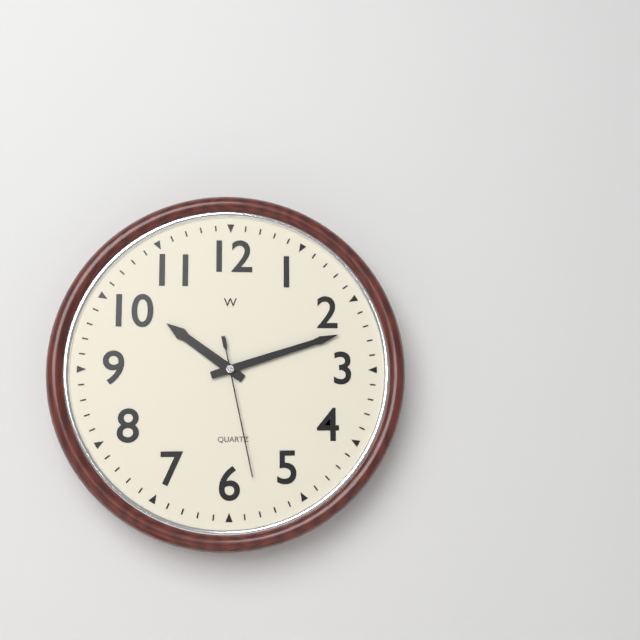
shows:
10,12,28
